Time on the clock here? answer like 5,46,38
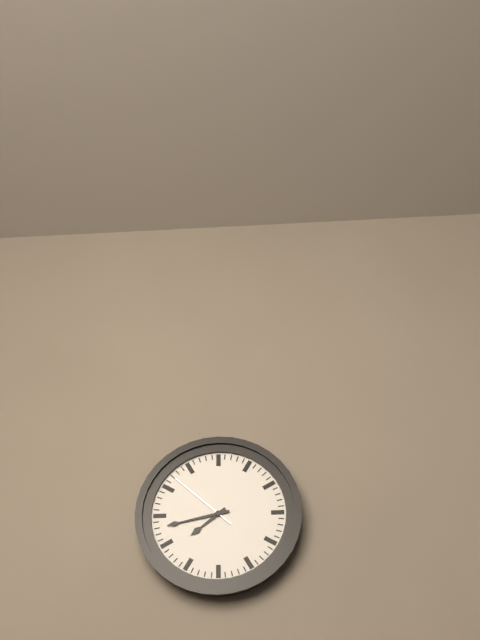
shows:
7,43,52
